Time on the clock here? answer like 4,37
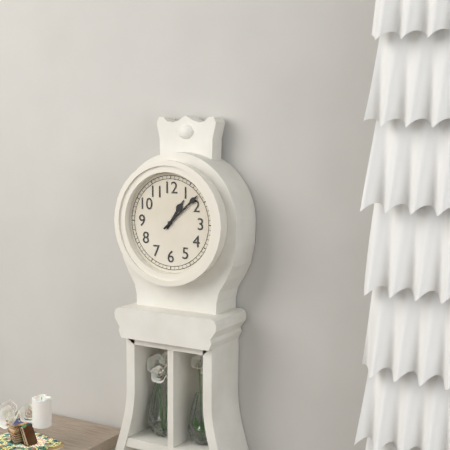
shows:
1,08
